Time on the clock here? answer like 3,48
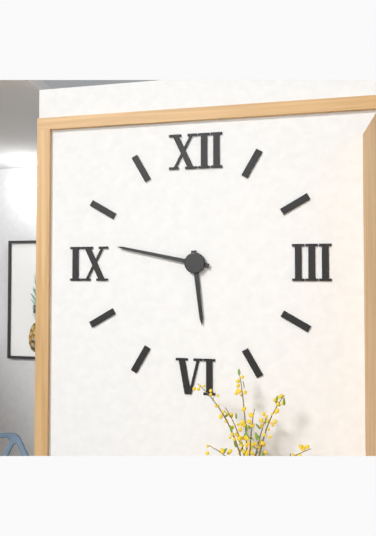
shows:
5,47
